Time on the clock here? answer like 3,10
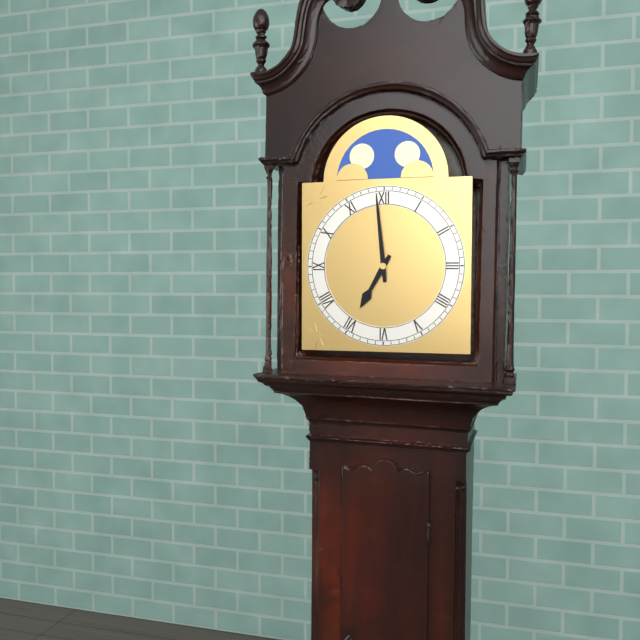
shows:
6,59
